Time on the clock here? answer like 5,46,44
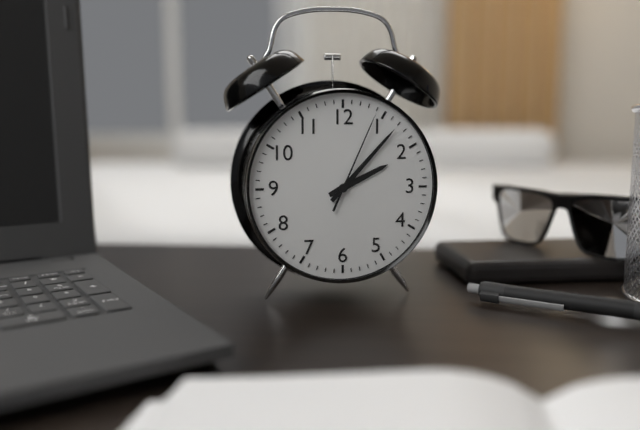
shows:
2,07,04
